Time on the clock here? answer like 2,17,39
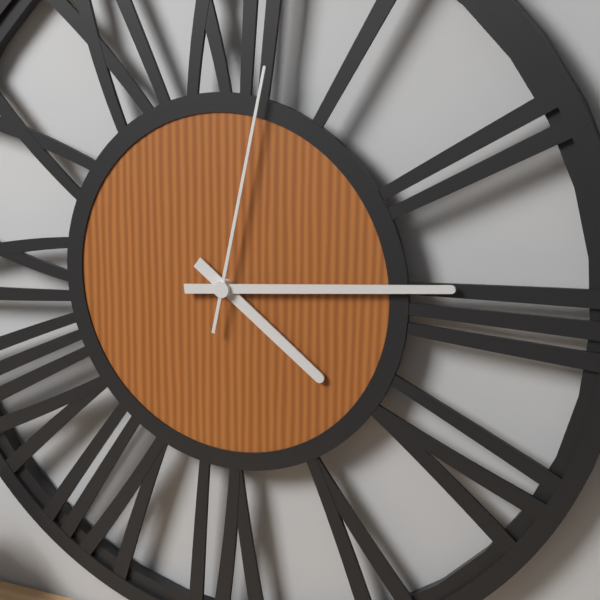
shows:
4,14,02
